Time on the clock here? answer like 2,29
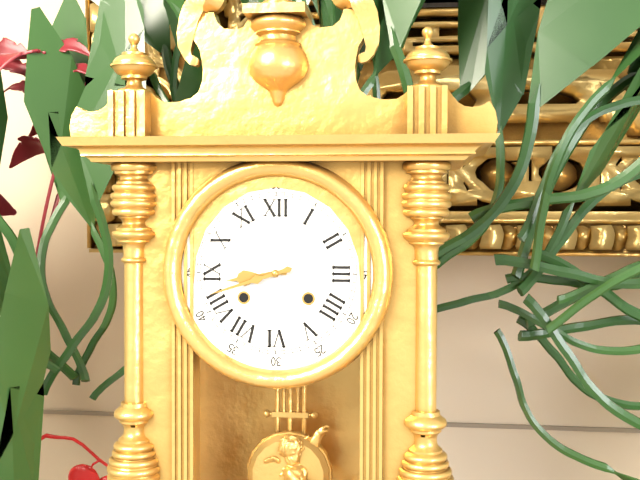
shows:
8,42
